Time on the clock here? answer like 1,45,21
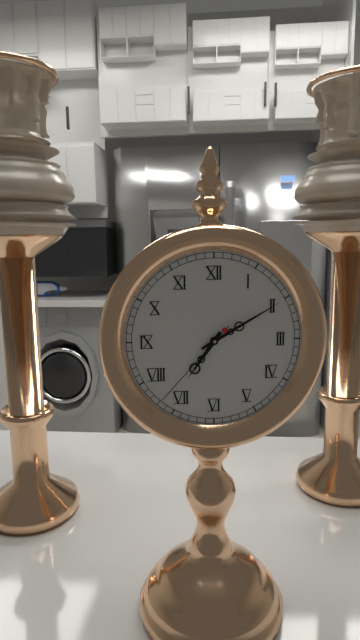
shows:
7,10,37
